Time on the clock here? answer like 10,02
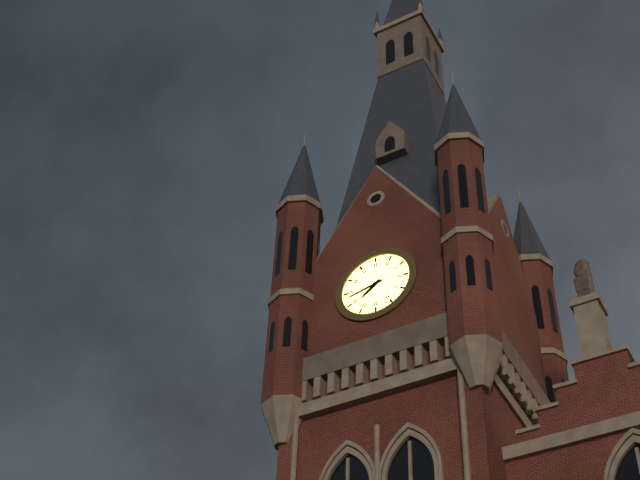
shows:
7,43
